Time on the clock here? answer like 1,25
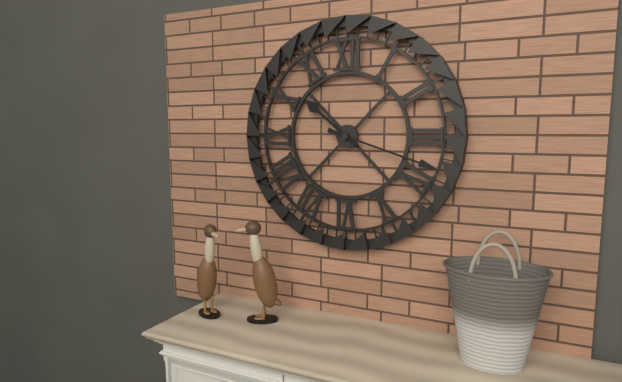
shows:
10,18
